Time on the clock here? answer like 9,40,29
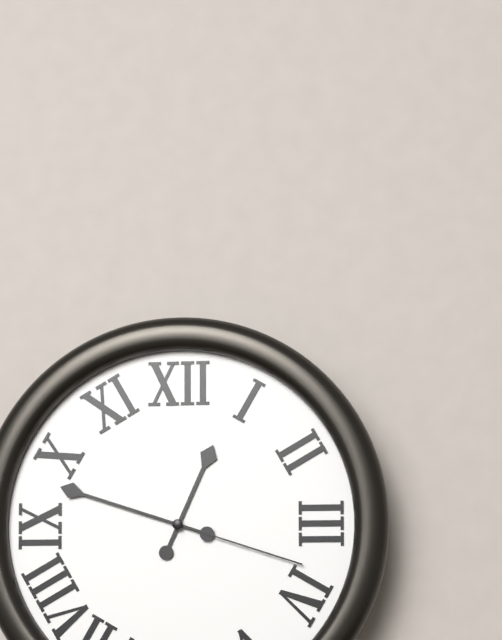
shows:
12,48,18
